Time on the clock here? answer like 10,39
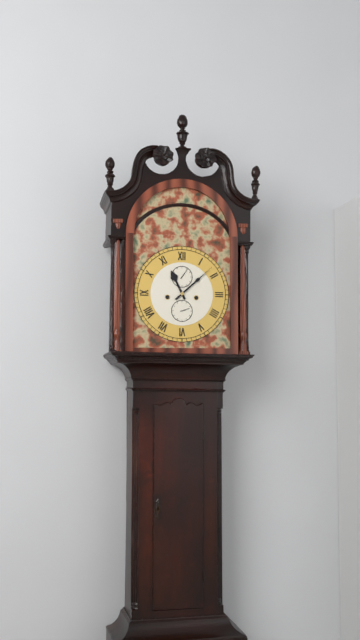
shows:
11,08
